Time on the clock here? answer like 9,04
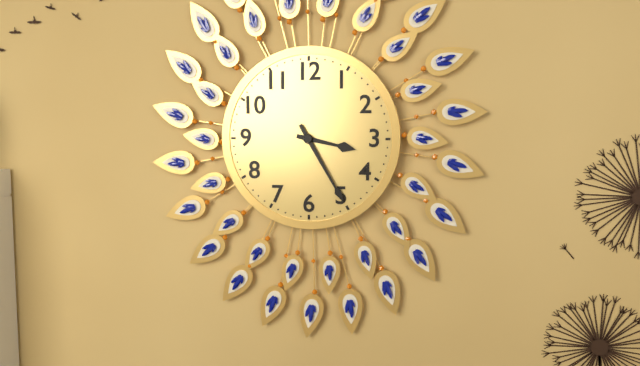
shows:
3,25
